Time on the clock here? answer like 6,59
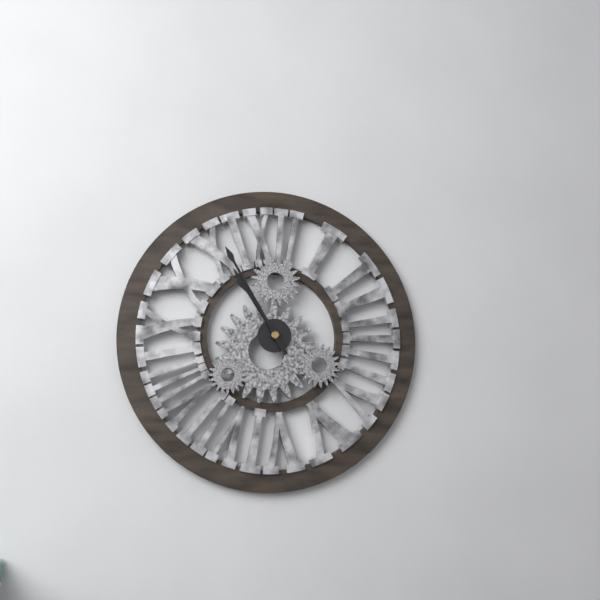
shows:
10,55
